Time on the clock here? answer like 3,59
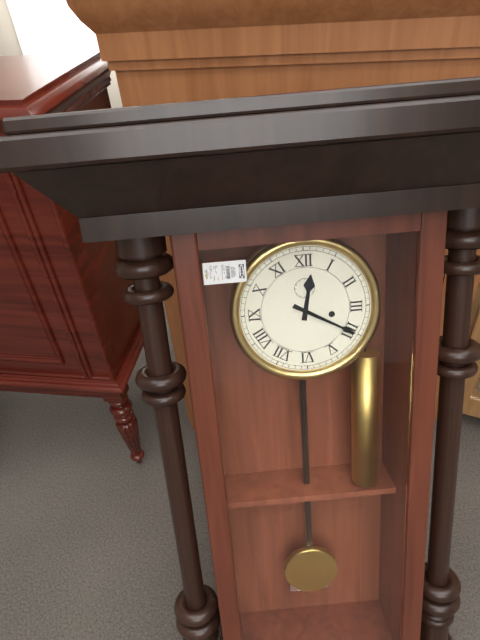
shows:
12,20
